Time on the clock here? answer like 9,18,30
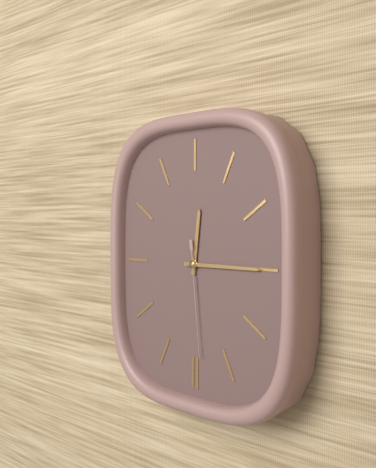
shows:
12,15,29
